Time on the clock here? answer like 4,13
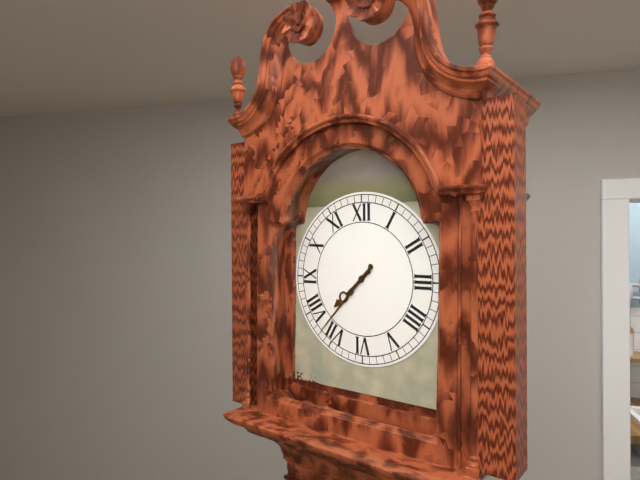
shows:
7,37
